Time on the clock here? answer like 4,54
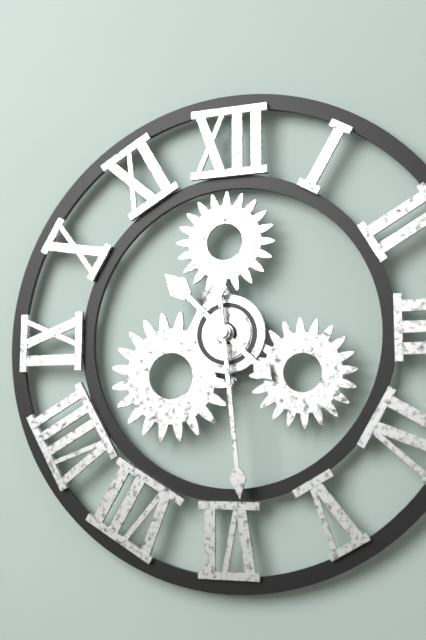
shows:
10,29
